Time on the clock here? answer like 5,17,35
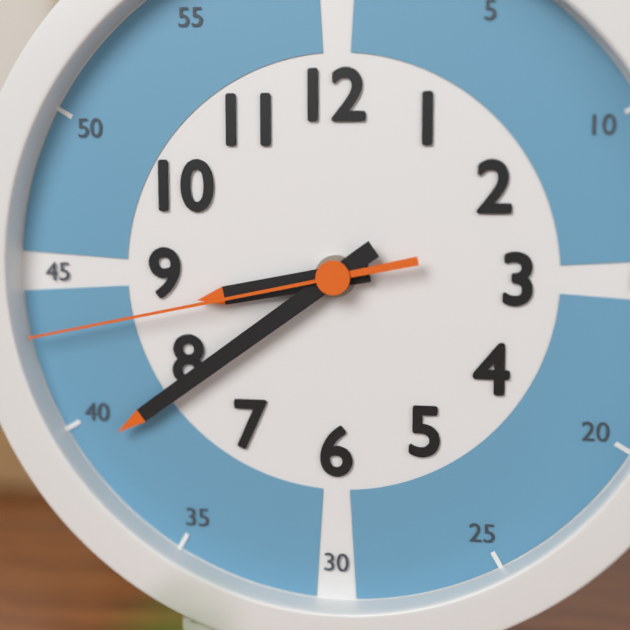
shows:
8,39,43
